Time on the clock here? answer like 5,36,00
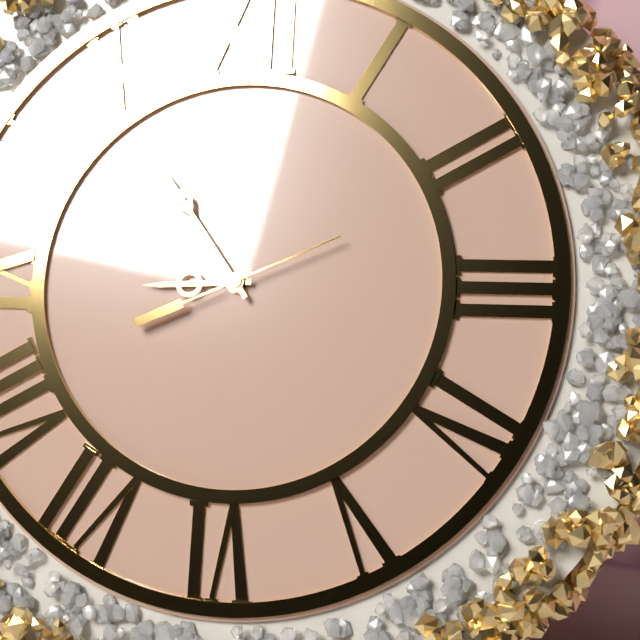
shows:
8,54,11
